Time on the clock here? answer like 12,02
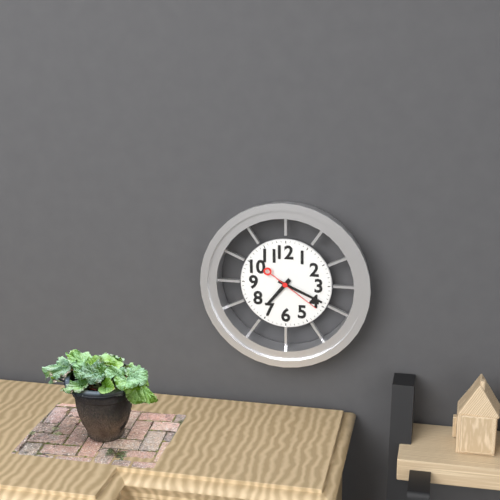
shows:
7,19
